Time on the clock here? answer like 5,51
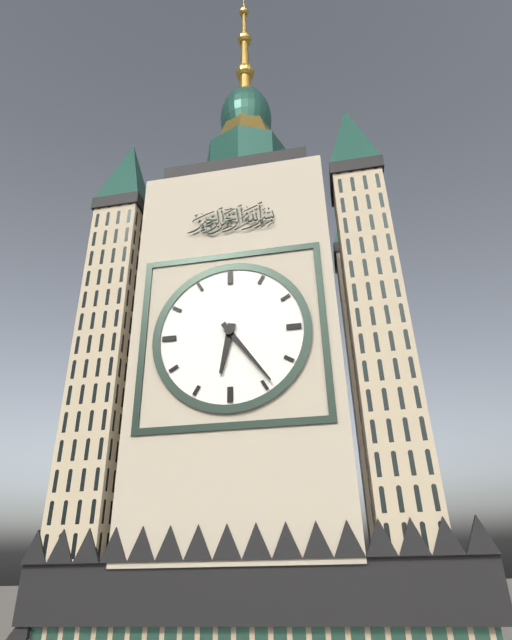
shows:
6,24
